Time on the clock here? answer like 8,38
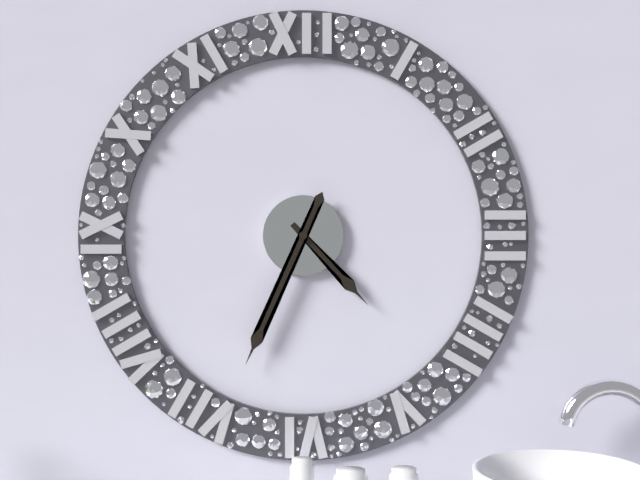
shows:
4,34
